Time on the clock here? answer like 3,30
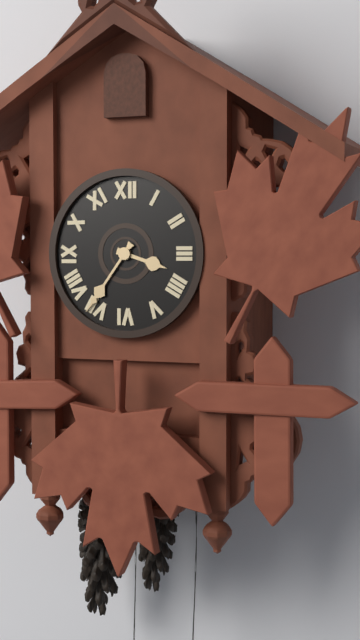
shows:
3,36
